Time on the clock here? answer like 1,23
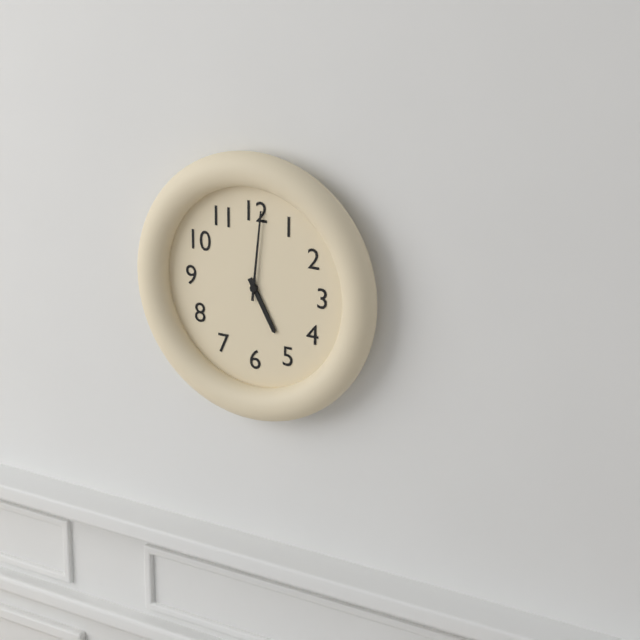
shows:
5,01
